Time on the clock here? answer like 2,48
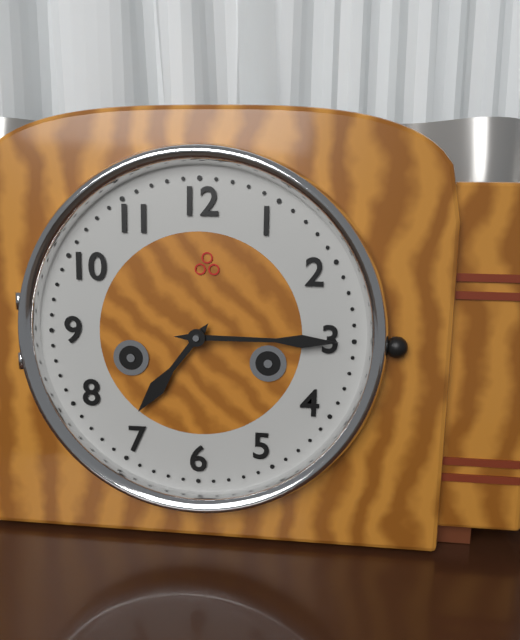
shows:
7,15
